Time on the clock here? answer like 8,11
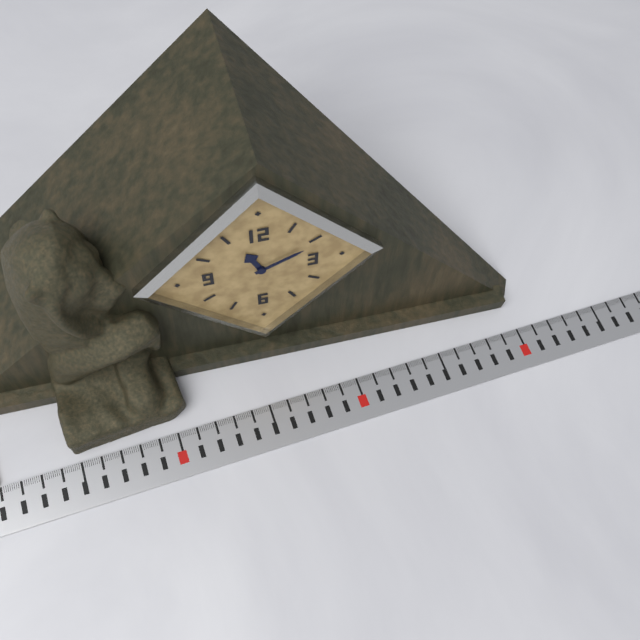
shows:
11,11
